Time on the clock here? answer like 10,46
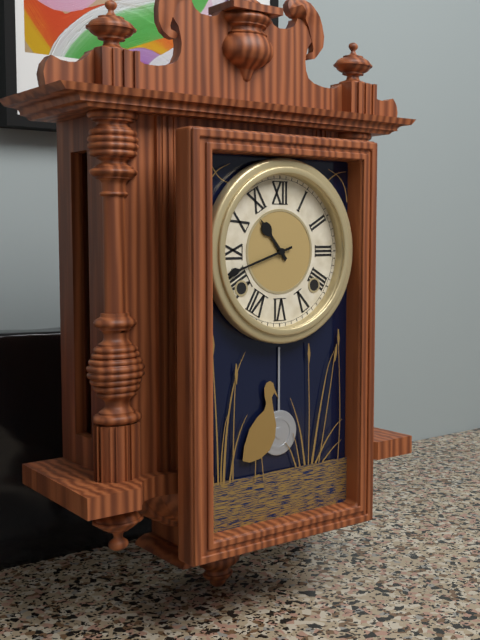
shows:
10,42
